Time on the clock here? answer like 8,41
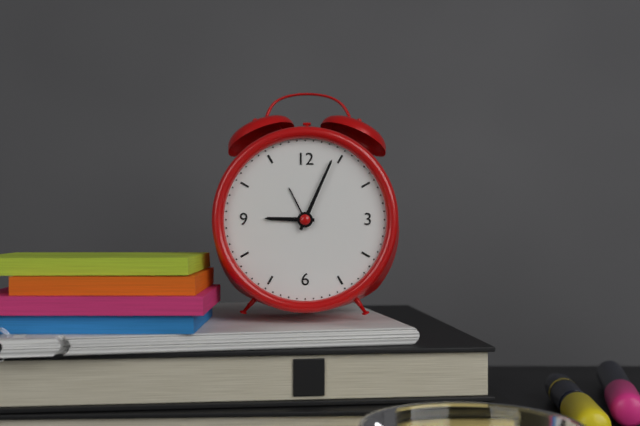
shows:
9,04
